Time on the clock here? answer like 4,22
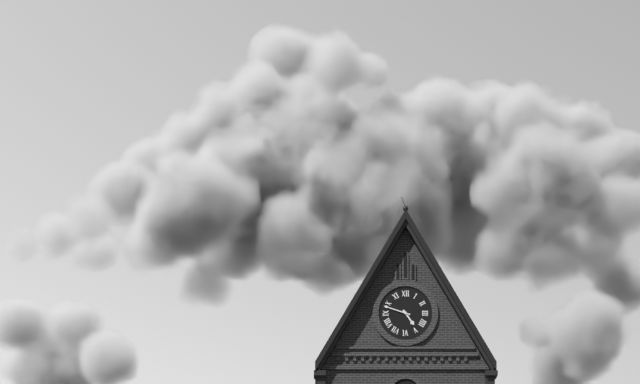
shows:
4,48
